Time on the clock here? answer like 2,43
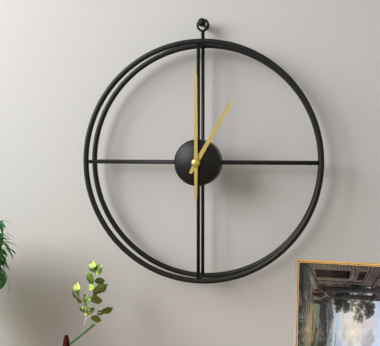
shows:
1,00
